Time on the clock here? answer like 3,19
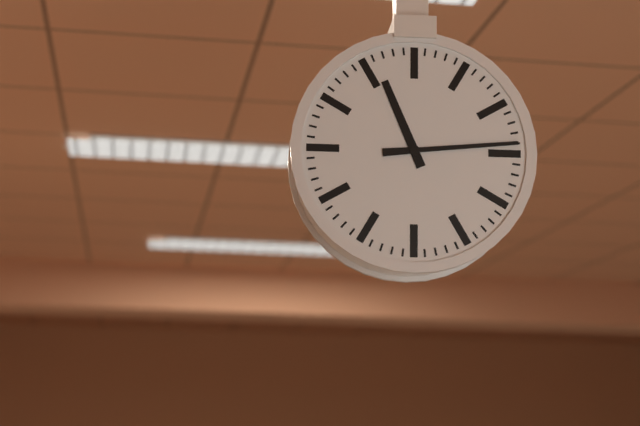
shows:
11,14
